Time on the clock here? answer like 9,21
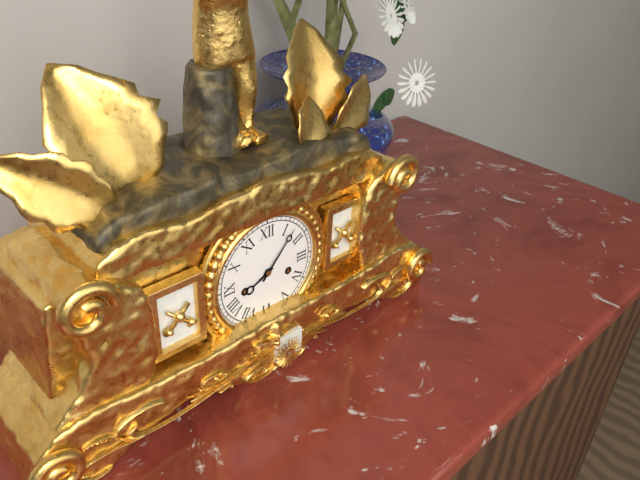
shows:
8,07
